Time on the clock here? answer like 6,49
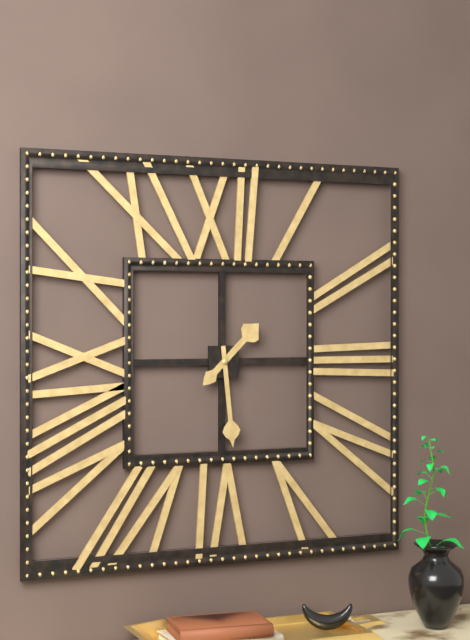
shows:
1,29
